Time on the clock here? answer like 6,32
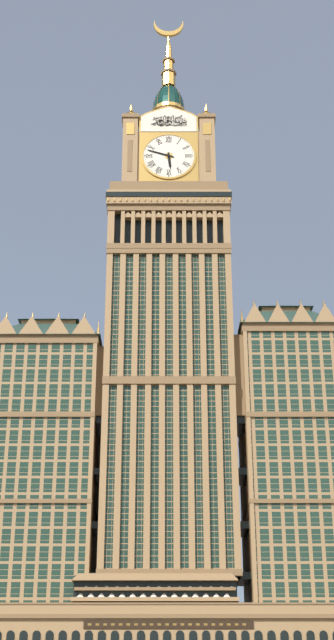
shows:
5,48
